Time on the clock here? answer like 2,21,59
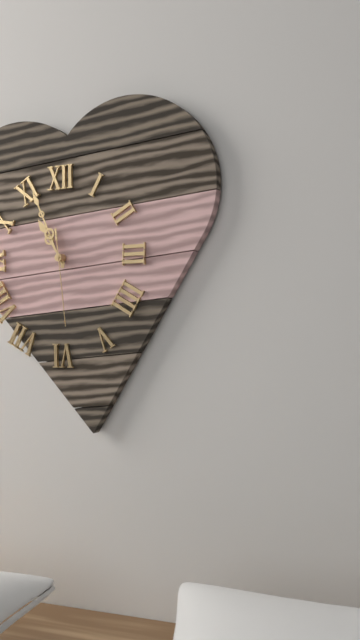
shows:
10,56,29
